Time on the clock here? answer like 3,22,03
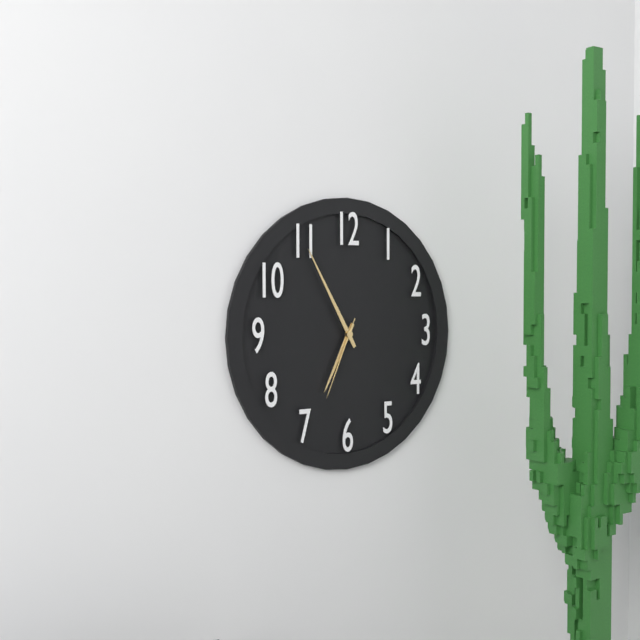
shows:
6,55,34
